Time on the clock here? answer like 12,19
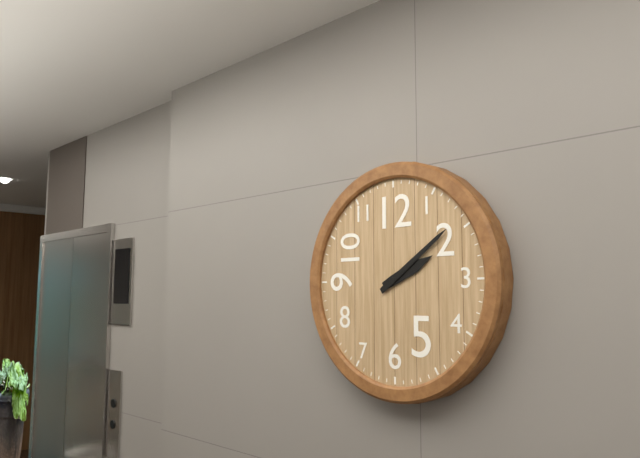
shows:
2,09
